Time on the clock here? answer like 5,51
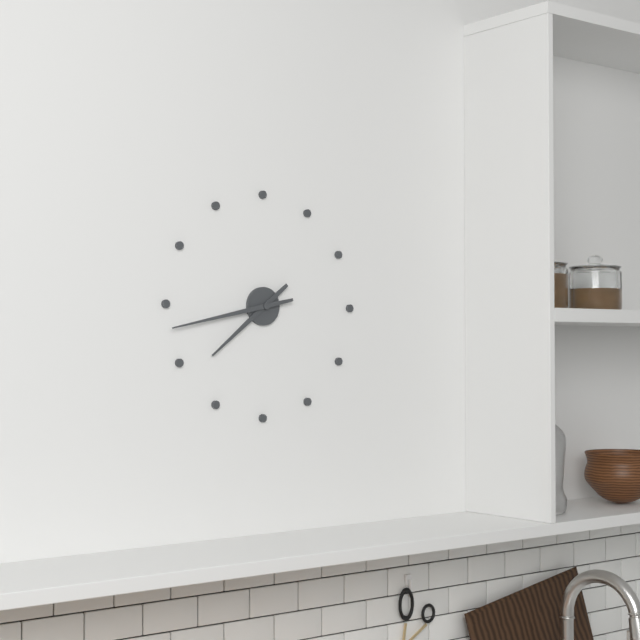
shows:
7,43
